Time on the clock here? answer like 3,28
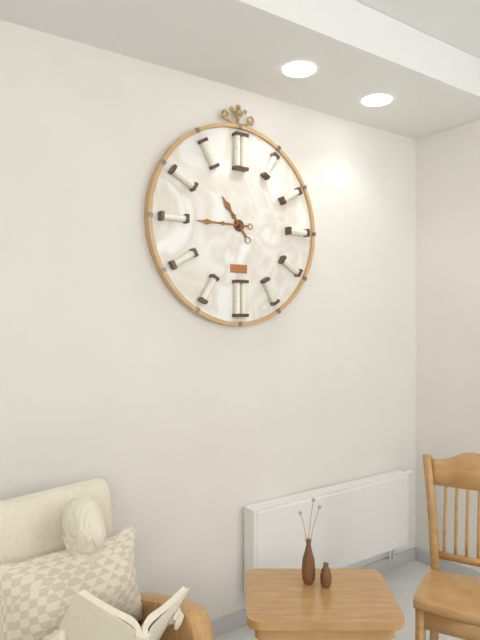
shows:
10,45
